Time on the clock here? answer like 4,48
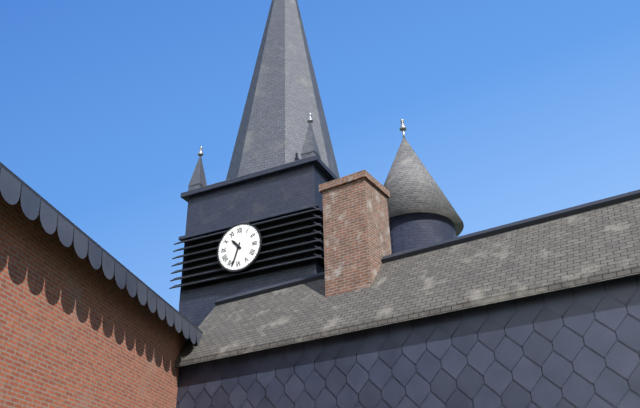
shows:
10,33
